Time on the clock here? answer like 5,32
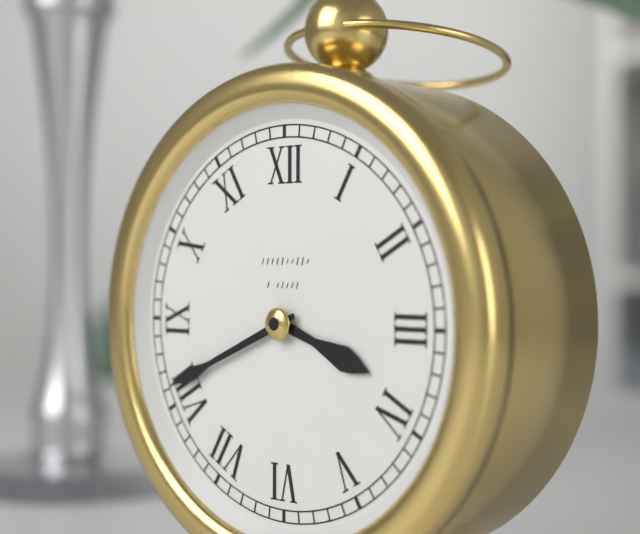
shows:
3,41
